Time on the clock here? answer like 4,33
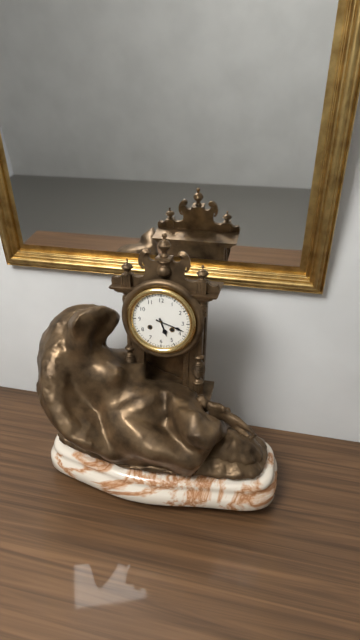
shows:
5,18
